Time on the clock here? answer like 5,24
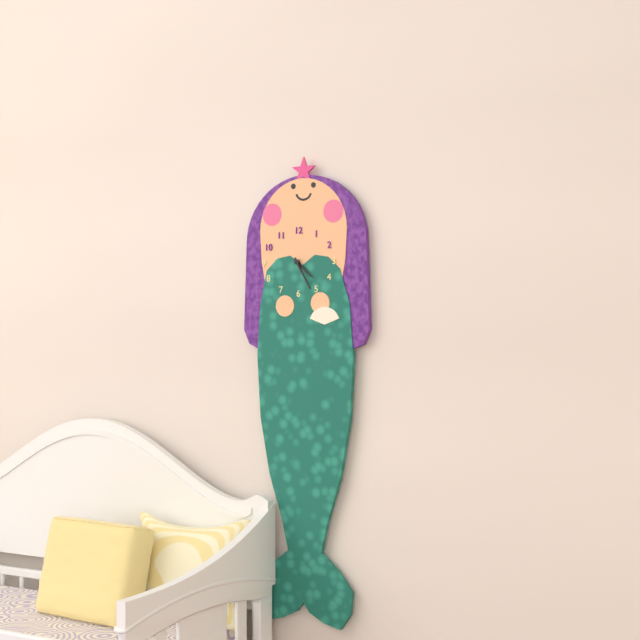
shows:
4,25
